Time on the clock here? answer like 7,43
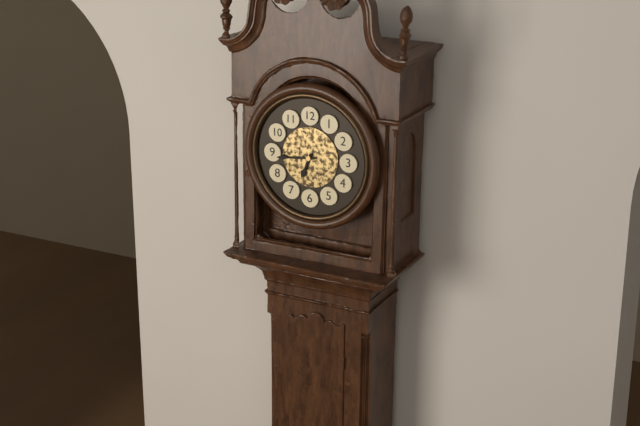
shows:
6,44
